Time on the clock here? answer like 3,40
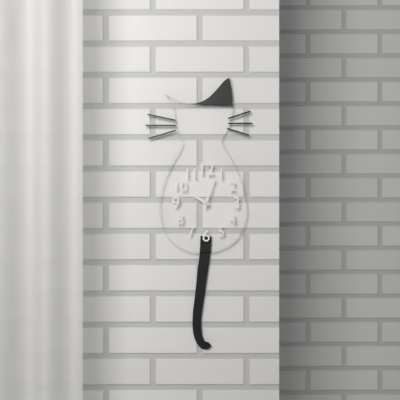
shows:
10,03
